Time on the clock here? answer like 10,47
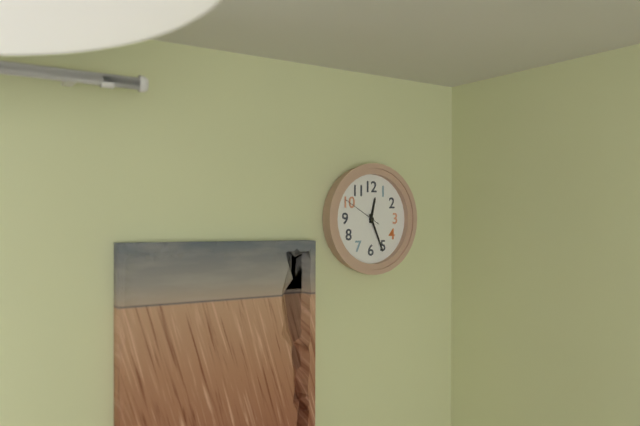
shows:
12,26
